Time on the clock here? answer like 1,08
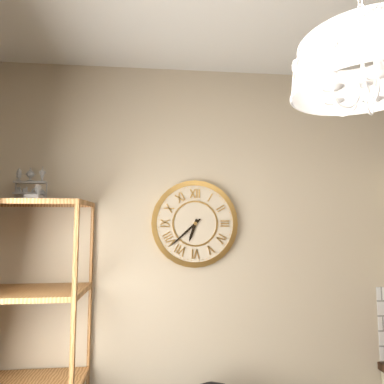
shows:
6,38
